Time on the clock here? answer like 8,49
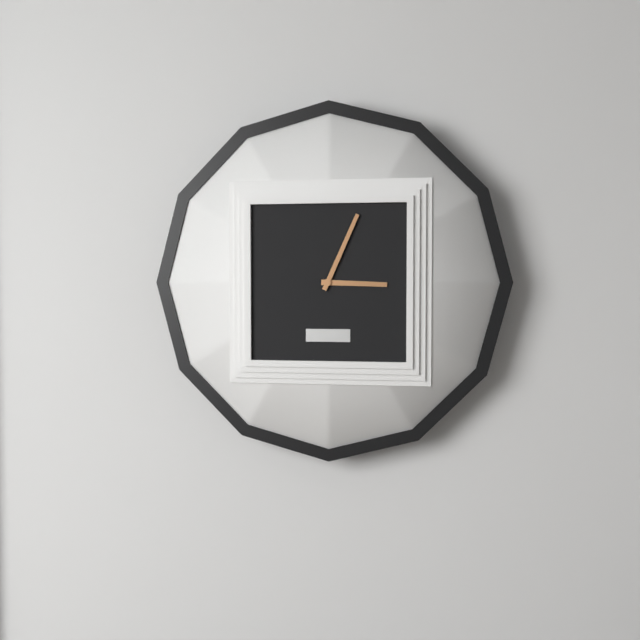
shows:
3,04
